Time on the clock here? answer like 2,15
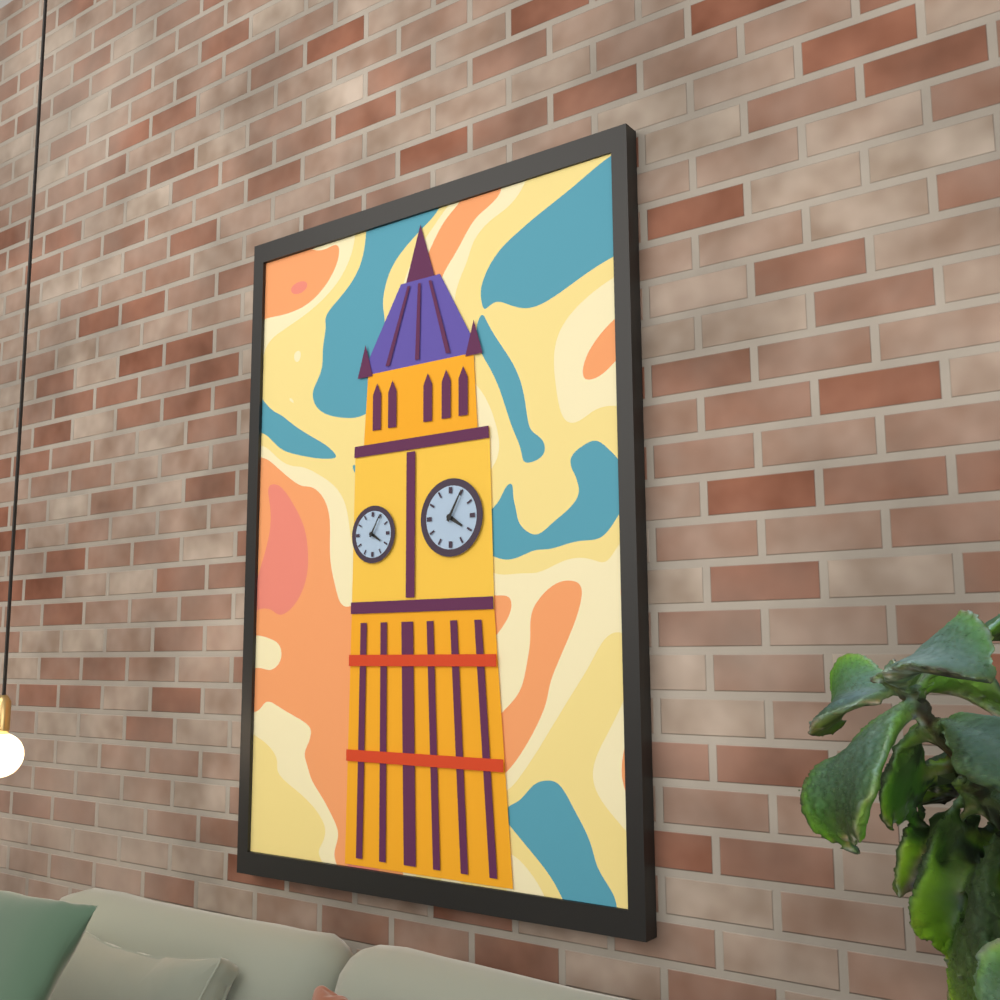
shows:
4,05
